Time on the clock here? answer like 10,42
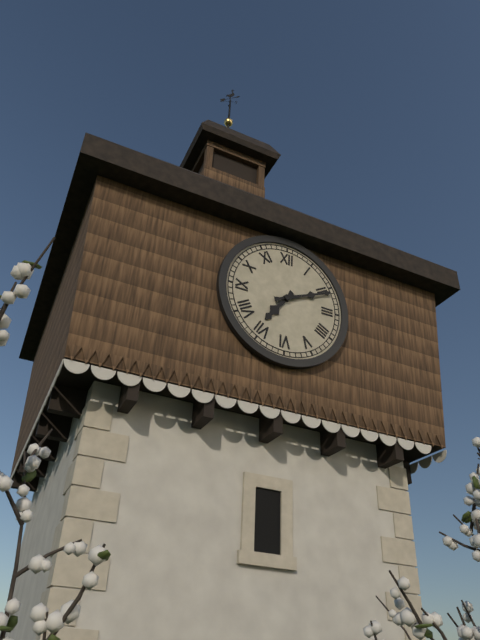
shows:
7,11
